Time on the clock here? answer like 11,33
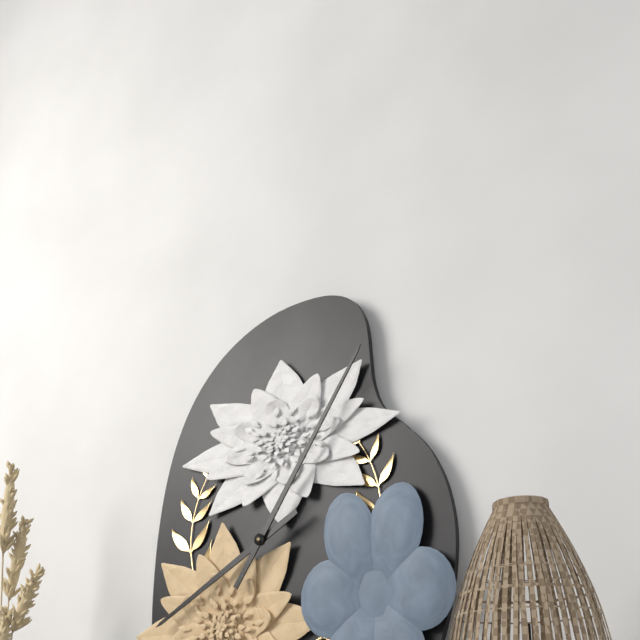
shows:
8,06
